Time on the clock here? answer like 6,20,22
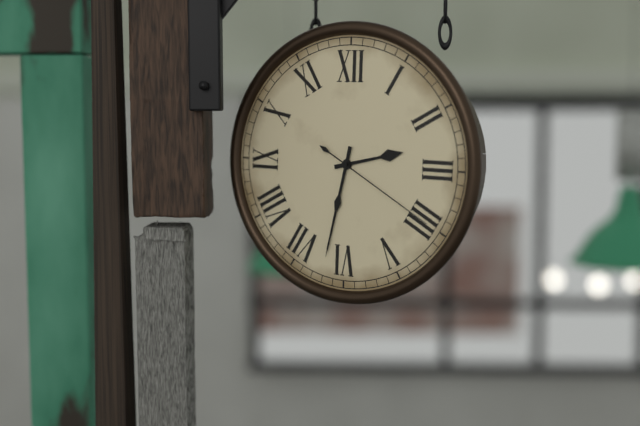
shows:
2,32,20
